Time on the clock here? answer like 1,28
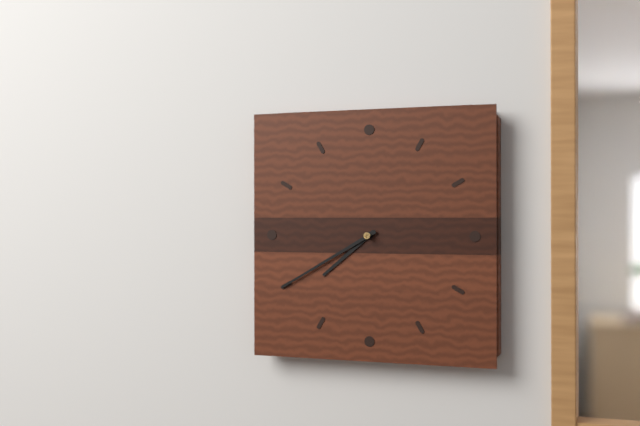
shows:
7,40
